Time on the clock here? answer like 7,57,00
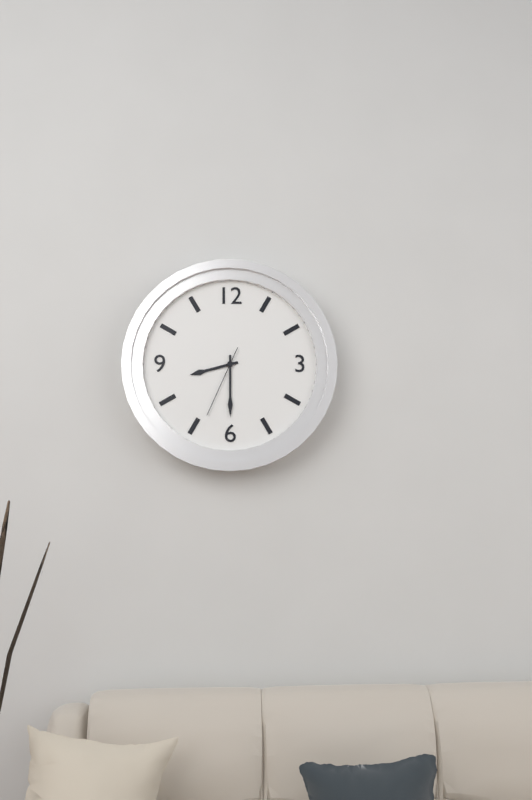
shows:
8,30,34
